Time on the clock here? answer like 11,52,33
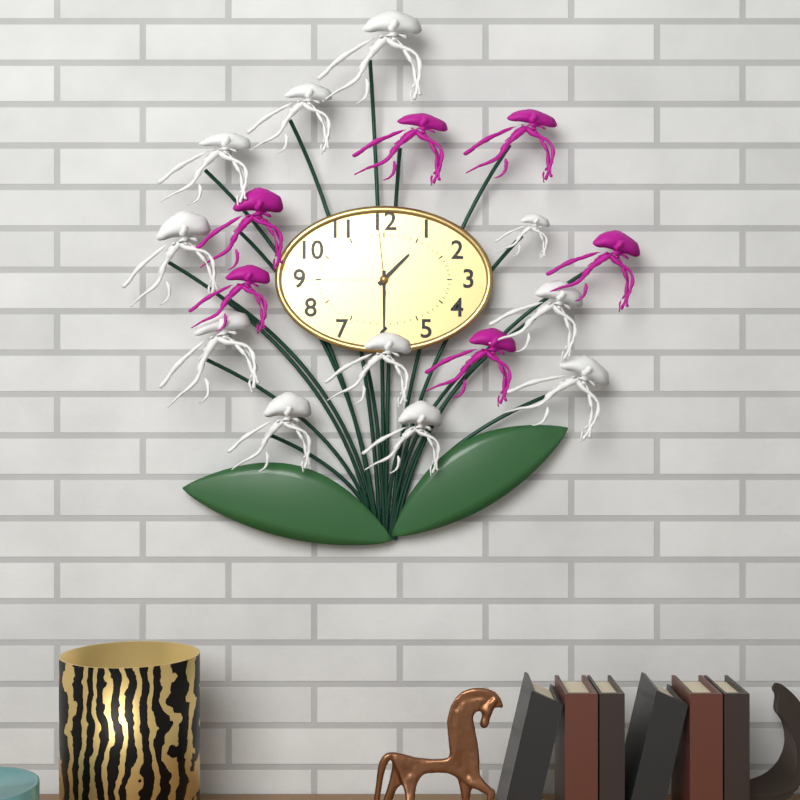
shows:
1,30,59
